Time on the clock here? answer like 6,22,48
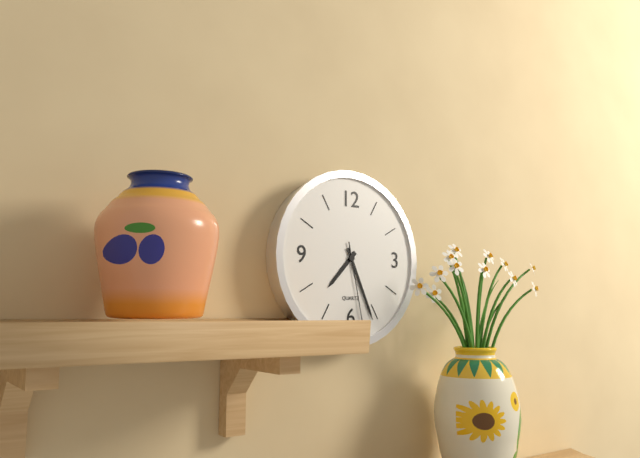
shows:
7,26,28
